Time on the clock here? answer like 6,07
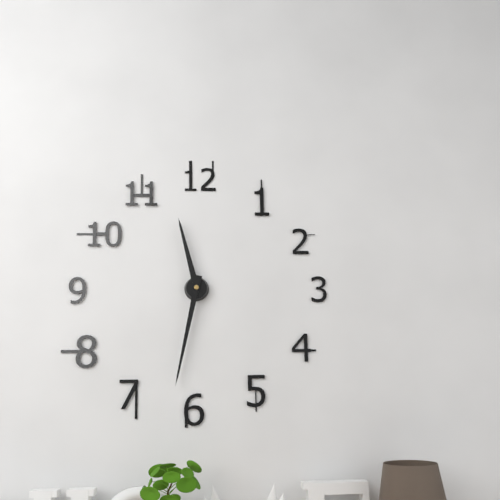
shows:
11,32
